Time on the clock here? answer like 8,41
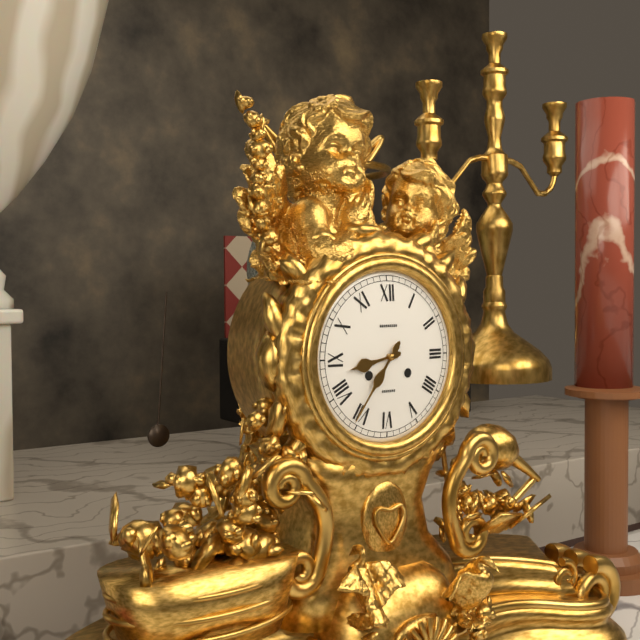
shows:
8,36
